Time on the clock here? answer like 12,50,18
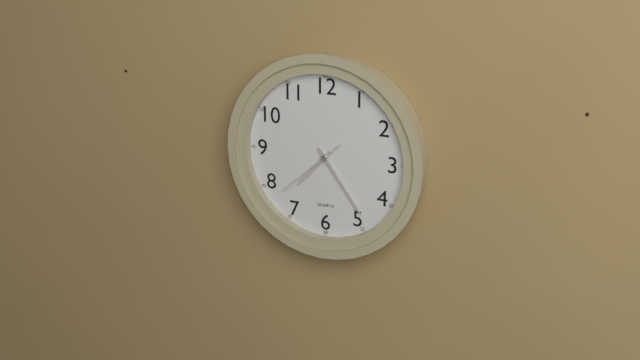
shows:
7,24,38
